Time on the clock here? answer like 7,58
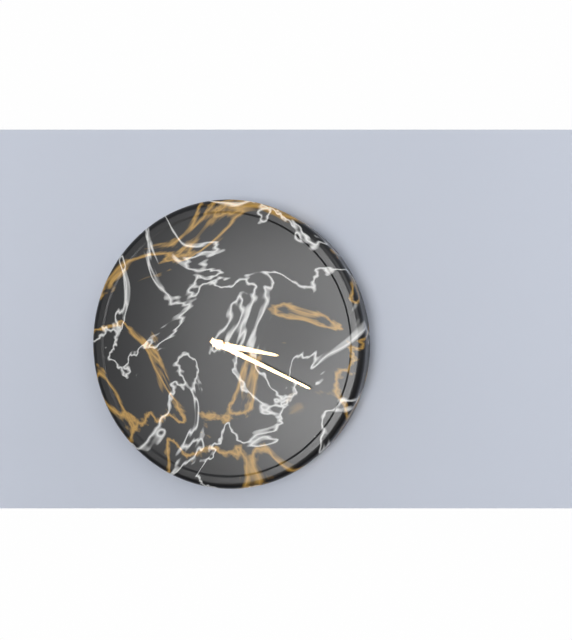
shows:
3,19
